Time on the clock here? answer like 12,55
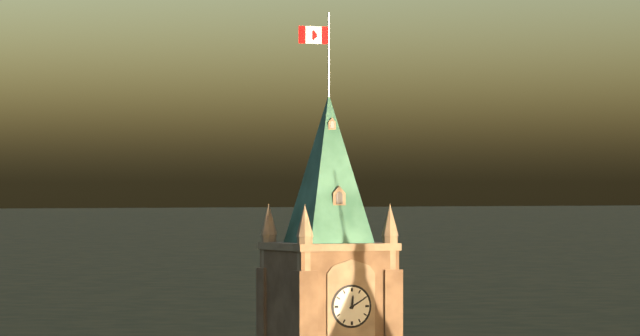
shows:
12,10
